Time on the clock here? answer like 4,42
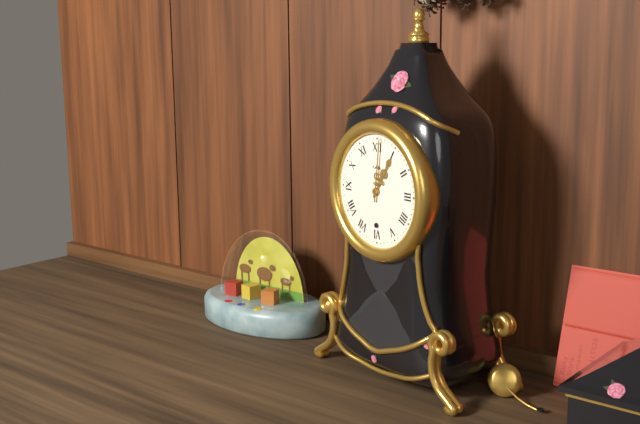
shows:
1,01
